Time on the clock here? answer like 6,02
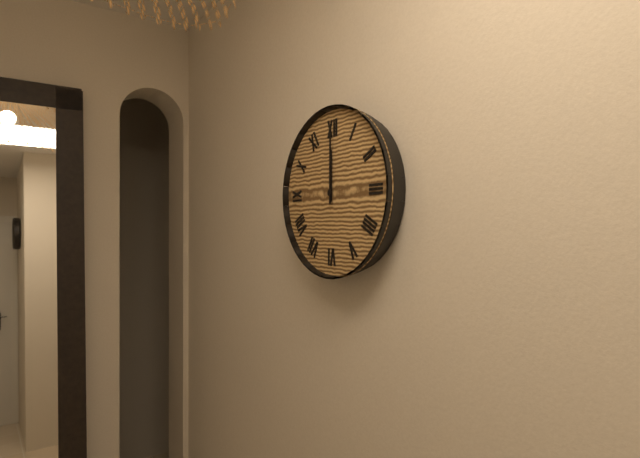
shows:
12,00
